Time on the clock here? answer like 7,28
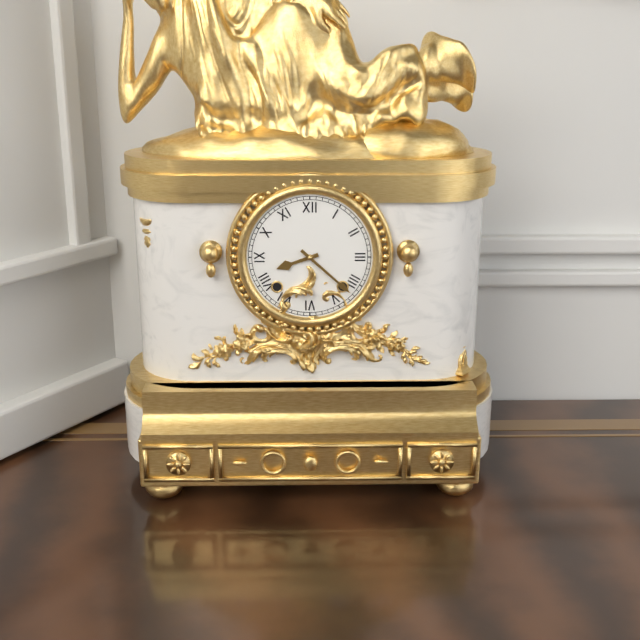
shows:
8,22
